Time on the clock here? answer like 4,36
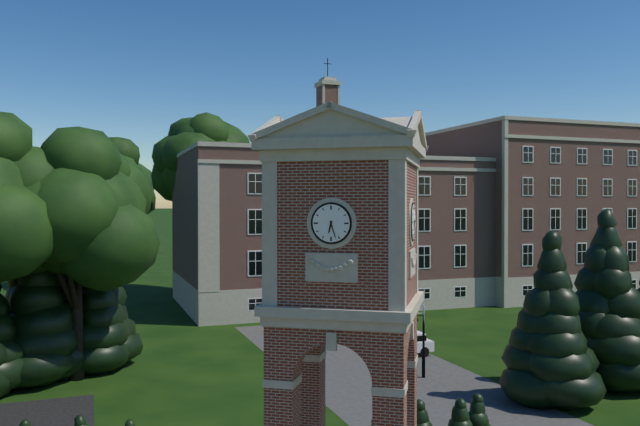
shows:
6,27
